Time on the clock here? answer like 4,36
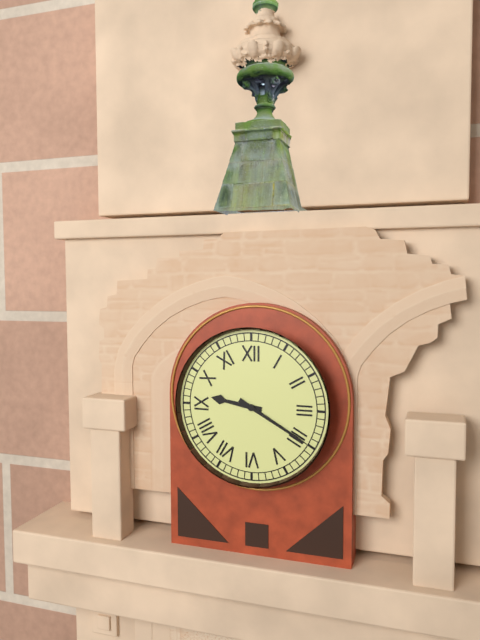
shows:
9,20
